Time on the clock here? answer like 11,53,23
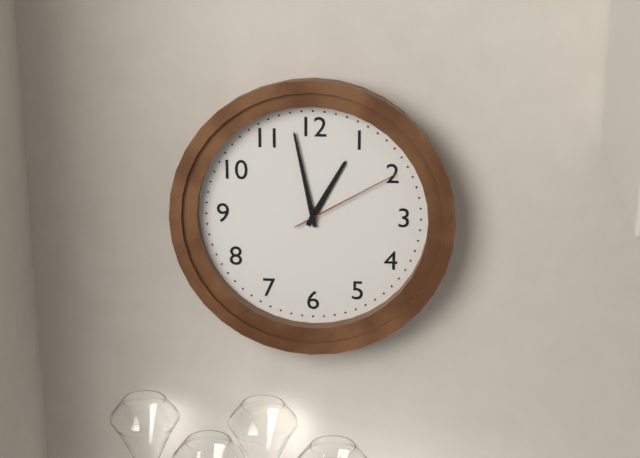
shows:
12,58,10
